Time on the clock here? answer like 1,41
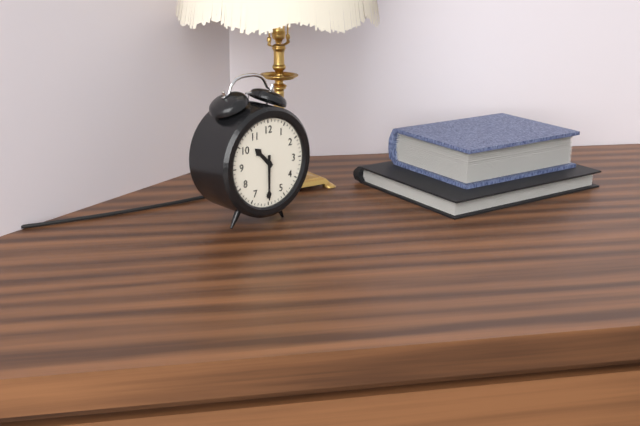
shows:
10,30
